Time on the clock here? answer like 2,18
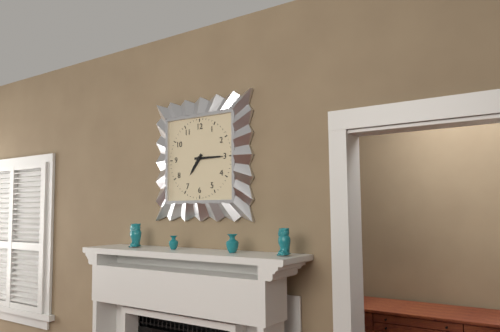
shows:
7,15
